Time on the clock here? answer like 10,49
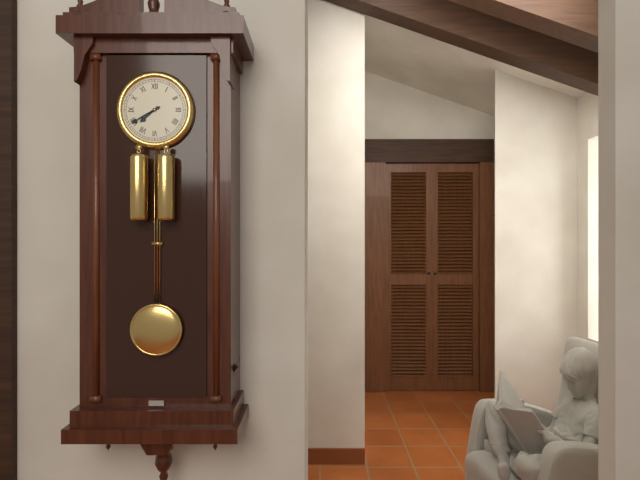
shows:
7,40
